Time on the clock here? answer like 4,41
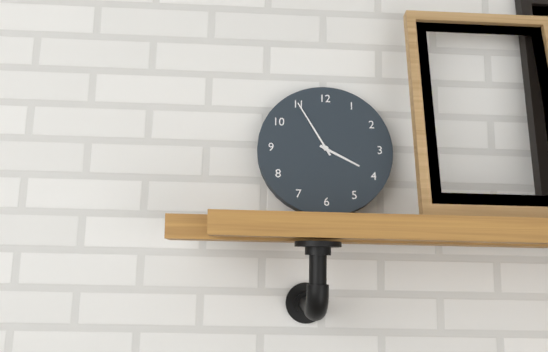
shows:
3,55
